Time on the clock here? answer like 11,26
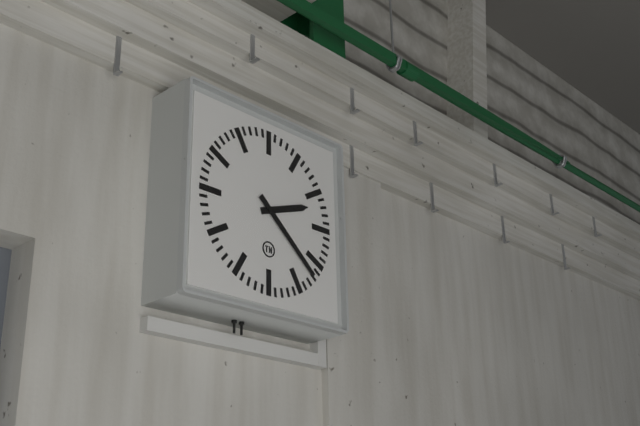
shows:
2,22
